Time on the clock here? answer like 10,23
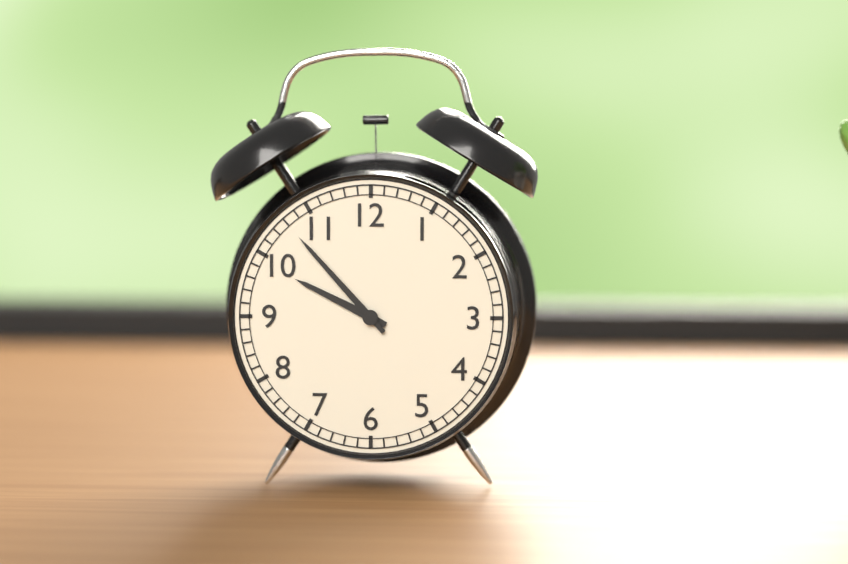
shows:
9,53
